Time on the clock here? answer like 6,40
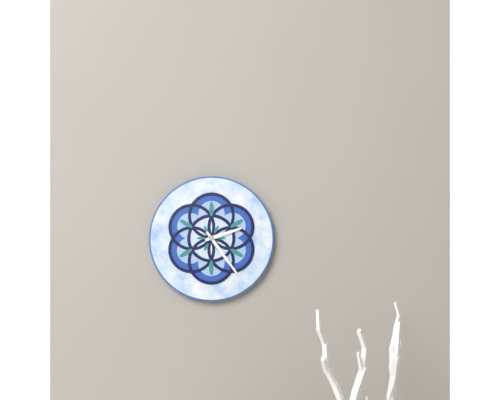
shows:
2,24
